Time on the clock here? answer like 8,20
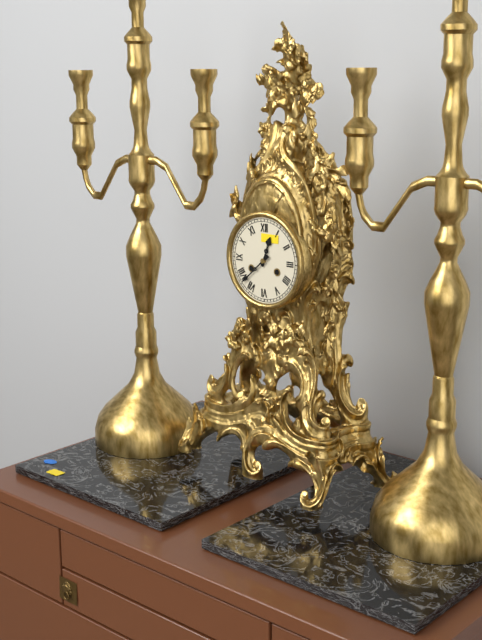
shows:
12,38
